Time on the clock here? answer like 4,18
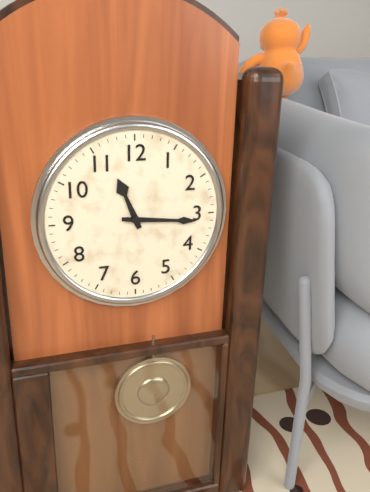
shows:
11,16
